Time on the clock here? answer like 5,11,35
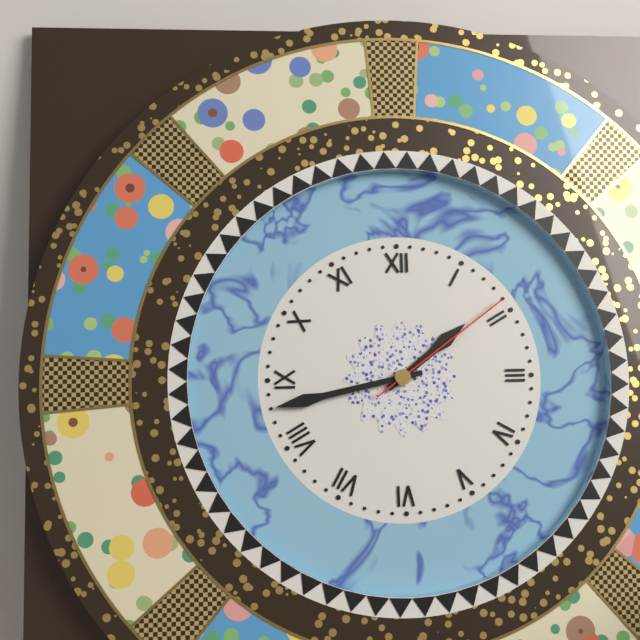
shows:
1,43,09
